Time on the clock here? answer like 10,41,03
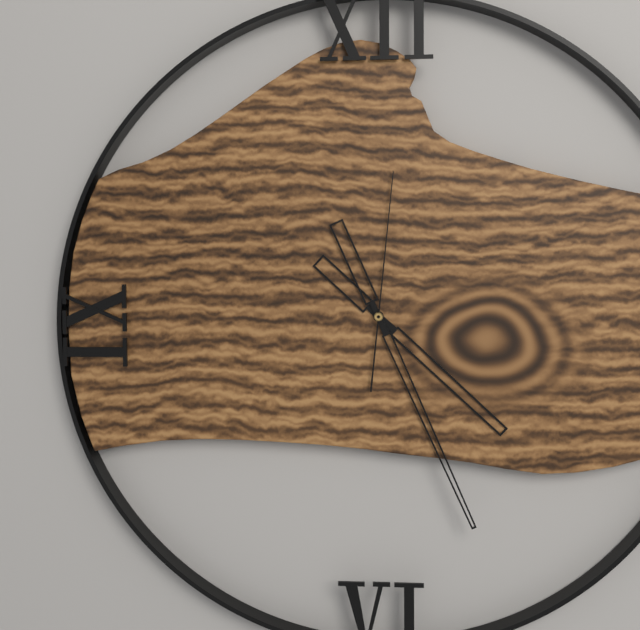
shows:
4,26,01
